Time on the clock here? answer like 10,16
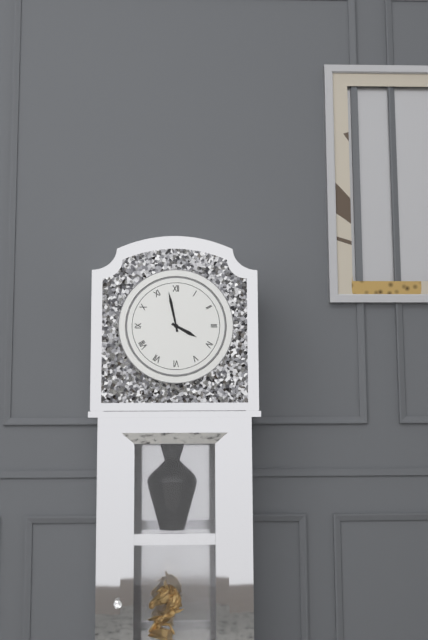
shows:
3,58
